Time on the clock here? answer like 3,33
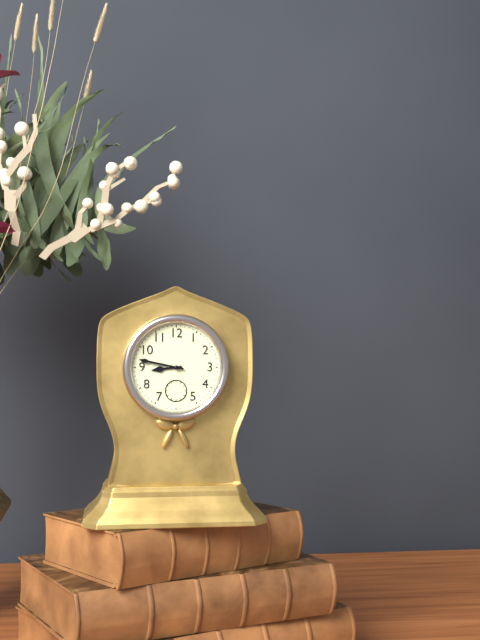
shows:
8,47
